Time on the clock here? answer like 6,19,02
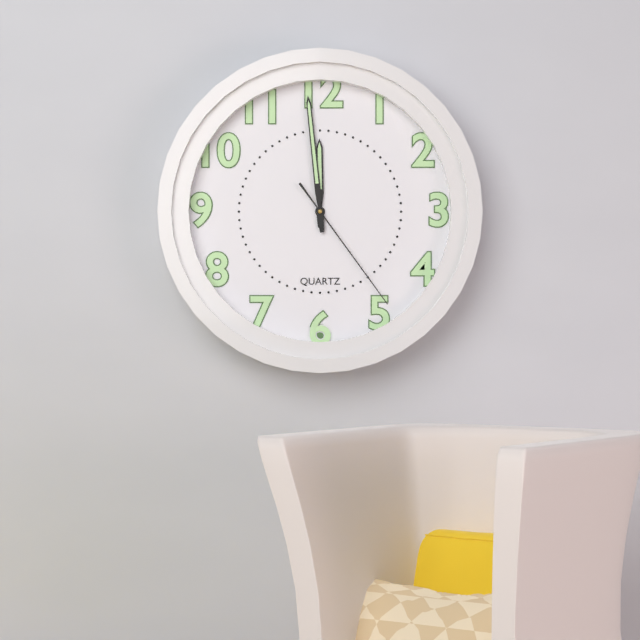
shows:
11,59,24
